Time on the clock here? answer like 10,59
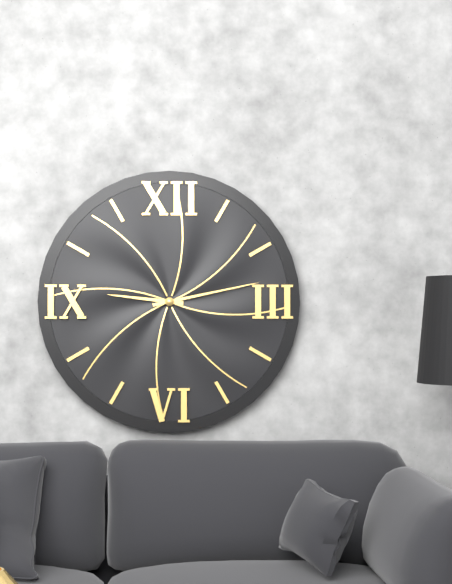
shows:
9,13
